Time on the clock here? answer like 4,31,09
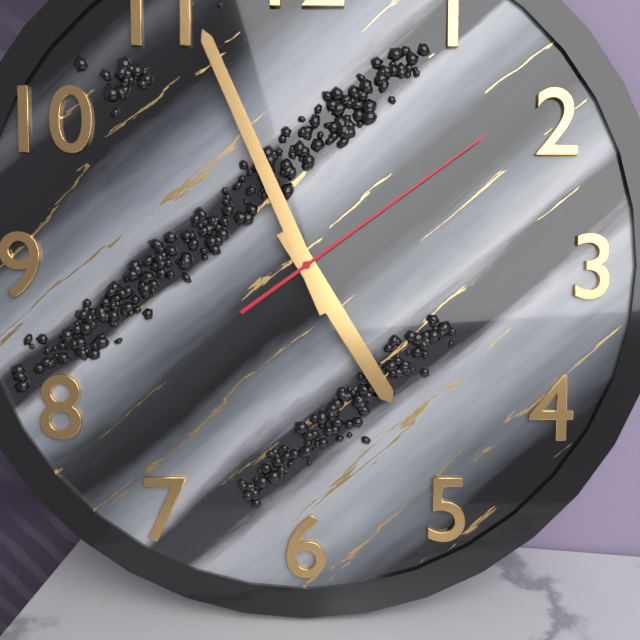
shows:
4,56,09
